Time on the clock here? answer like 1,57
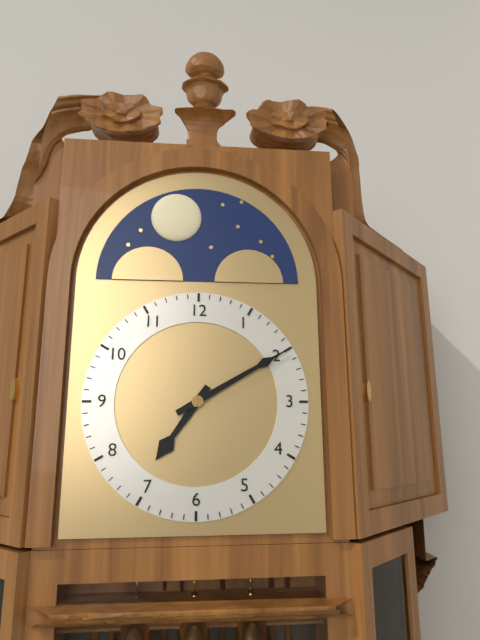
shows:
7,10
